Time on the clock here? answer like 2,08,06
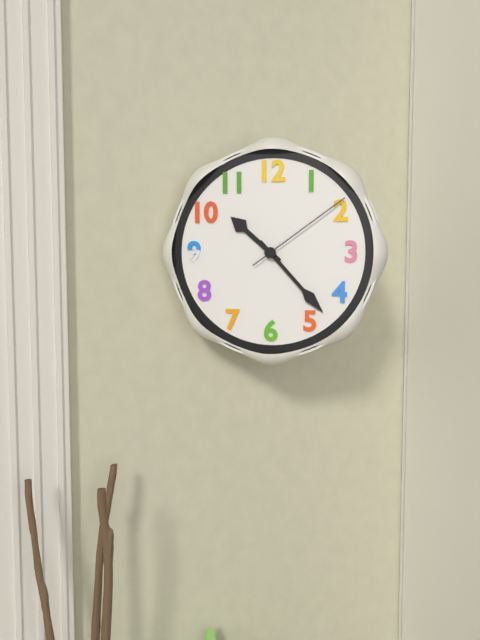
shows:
10,23,09
